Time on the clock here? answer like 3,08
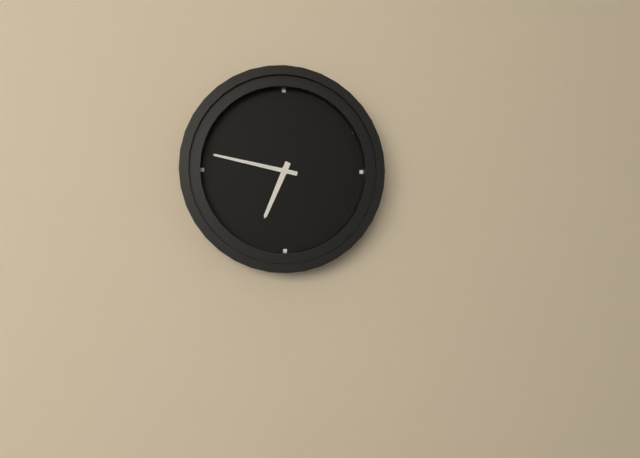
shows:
6,47
